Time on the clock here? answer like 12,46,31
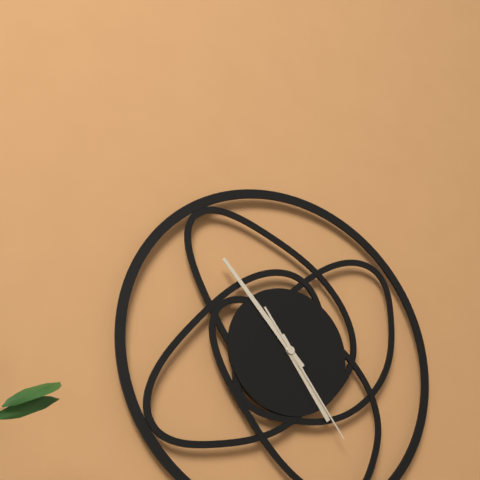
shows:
4,53,24
